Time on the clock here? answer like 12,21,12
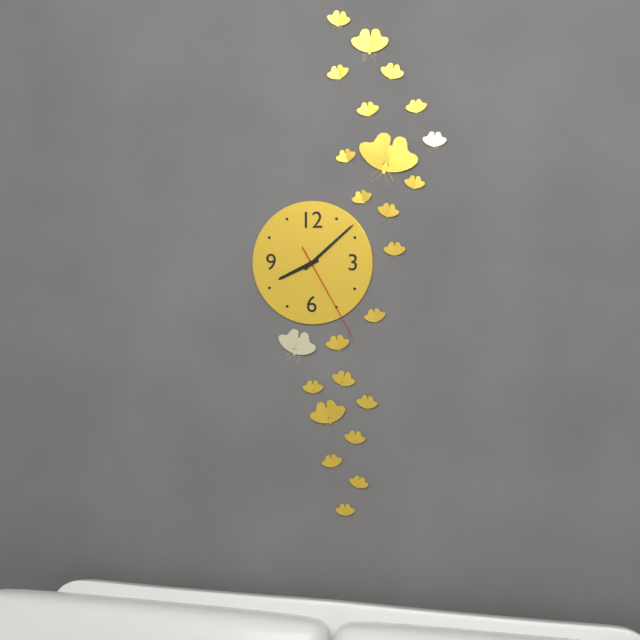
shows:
8,08,25
